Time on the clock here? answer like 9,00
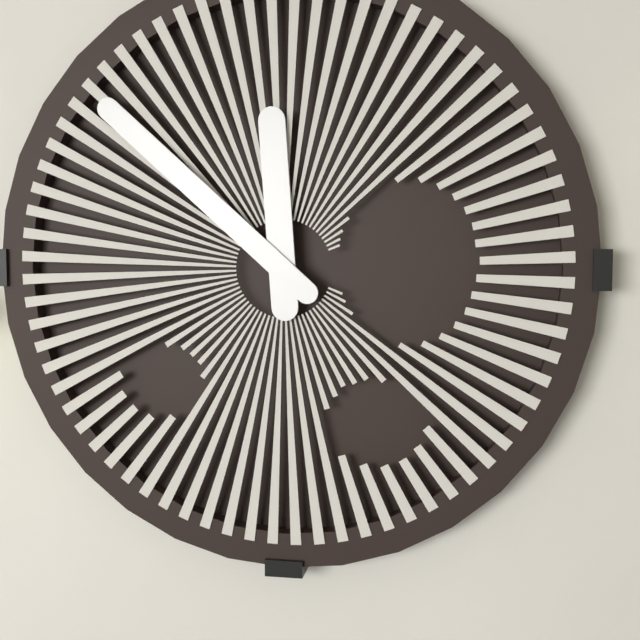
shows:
11,52
